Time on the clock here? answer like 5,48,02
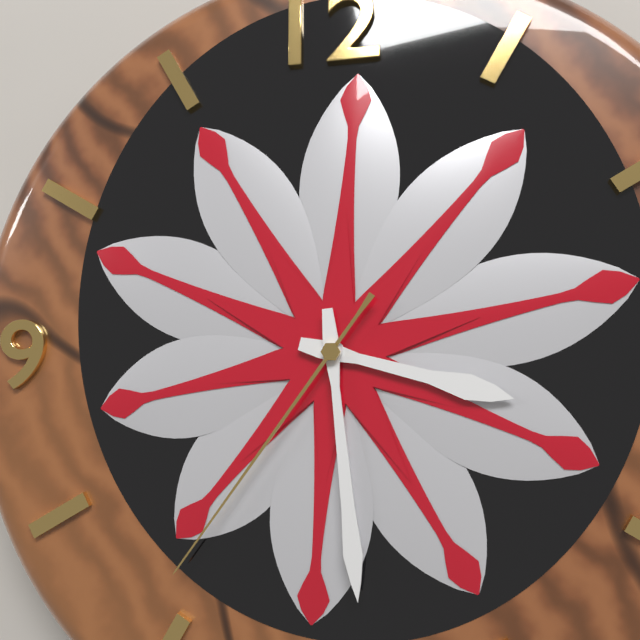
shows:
3,29,36
